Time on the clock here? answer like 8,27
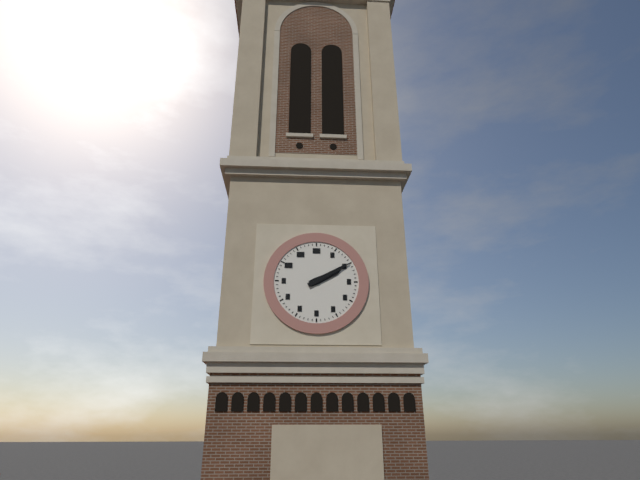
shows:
2,10
